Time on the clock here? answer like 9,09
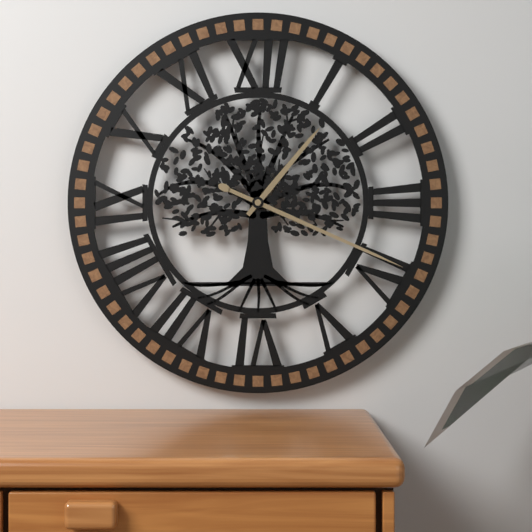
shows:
1,19
